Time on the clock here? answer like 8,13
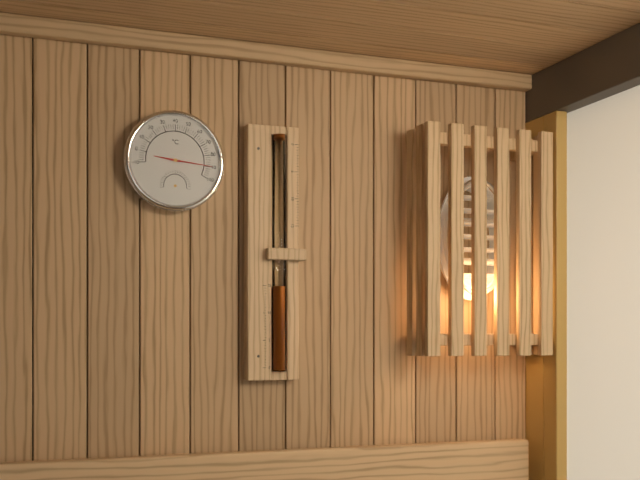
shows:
9,16
